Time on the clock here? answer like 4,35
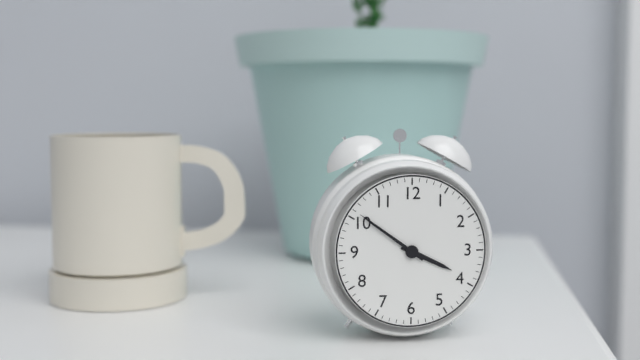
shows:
3,51
